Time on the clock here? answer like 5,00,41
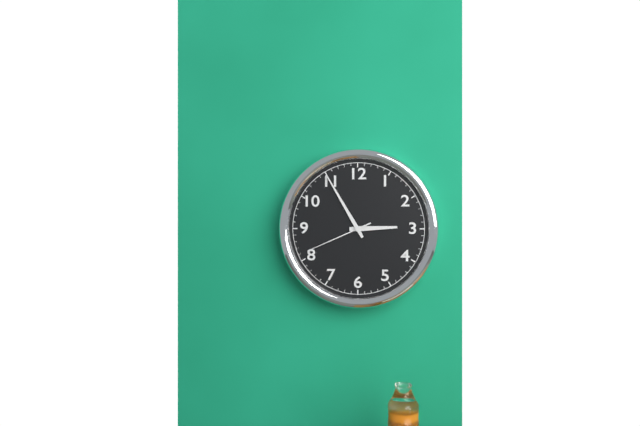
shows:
2,55,41
